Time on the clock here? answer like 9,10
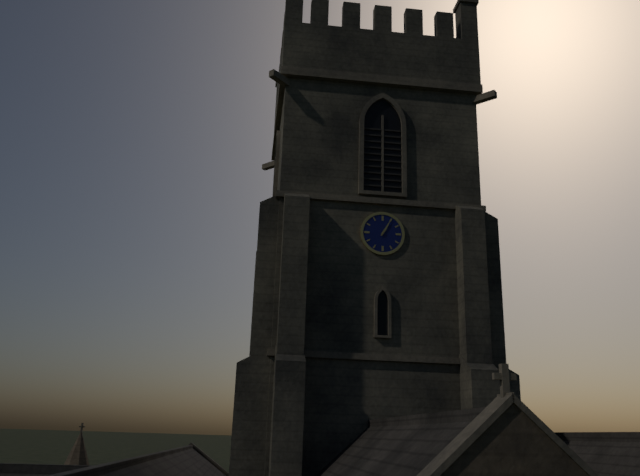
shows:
1,05
